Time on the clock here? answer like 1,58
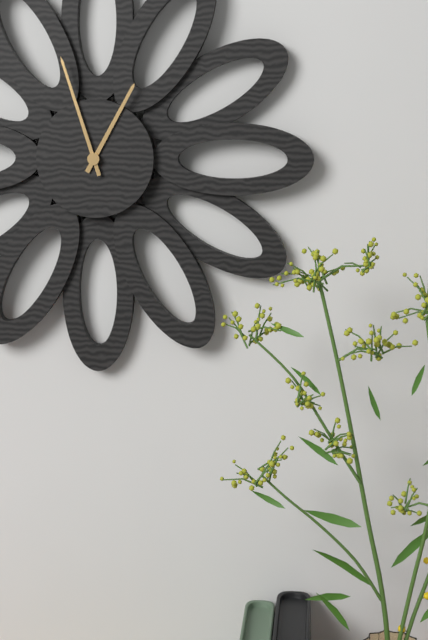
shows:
12,57
